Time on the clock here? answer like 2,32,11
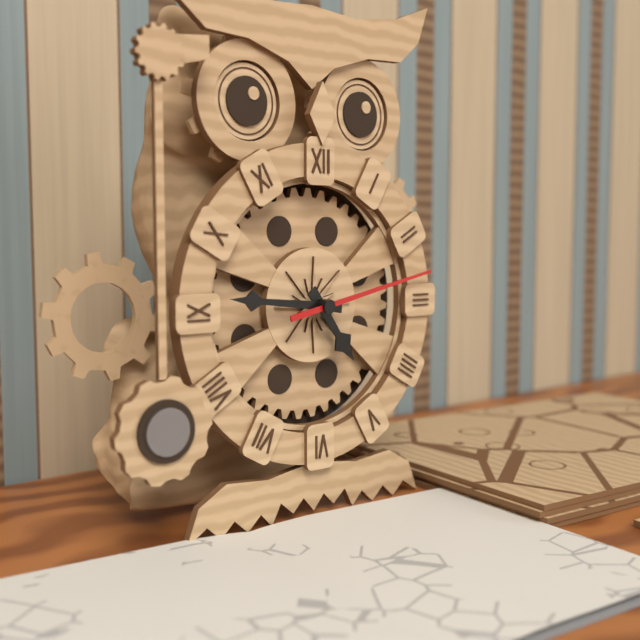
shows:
4,46,13
